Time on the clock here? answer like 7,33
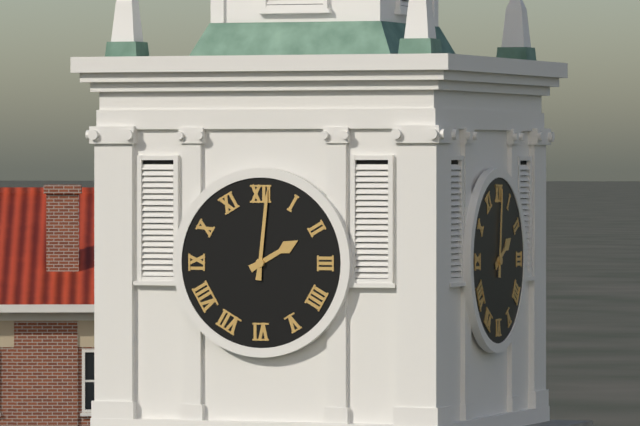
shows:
2,01
